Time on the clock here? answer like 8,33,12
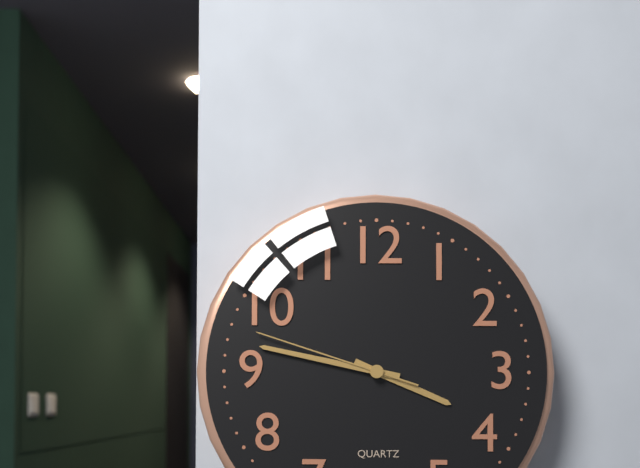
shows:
3,47,48
